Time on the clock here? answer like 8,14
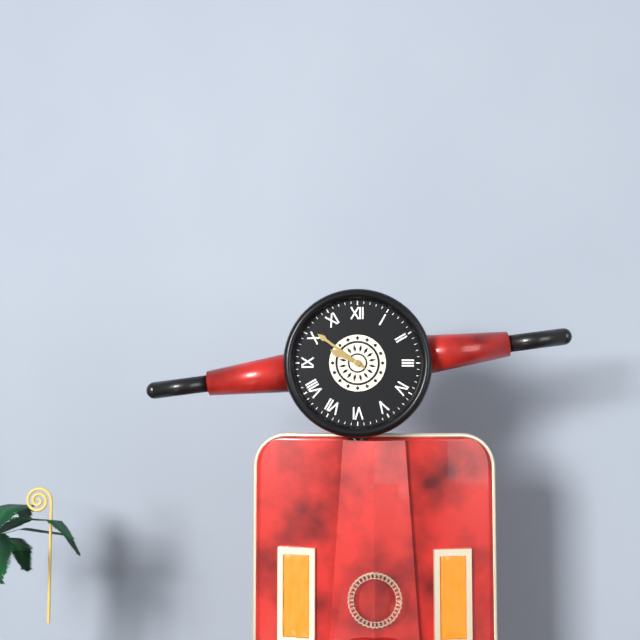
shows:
9,51
